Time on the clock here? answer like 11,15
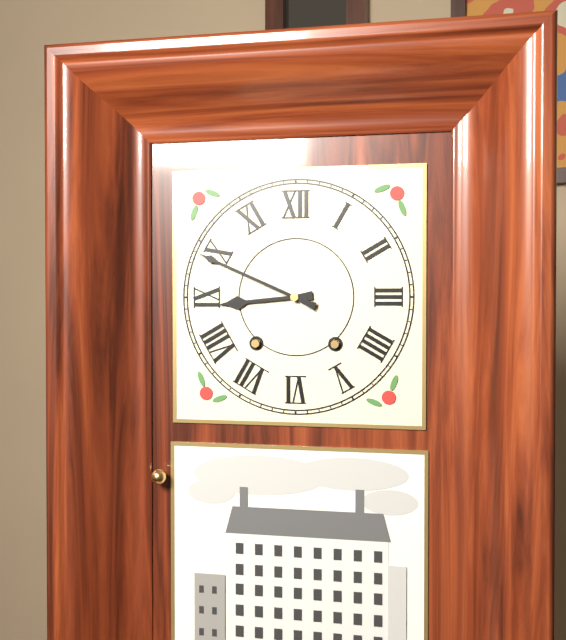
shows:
8,49
